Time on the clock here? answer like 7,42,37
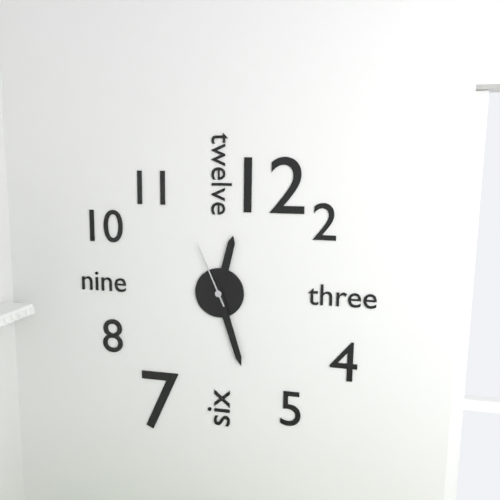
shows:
12,27,56
